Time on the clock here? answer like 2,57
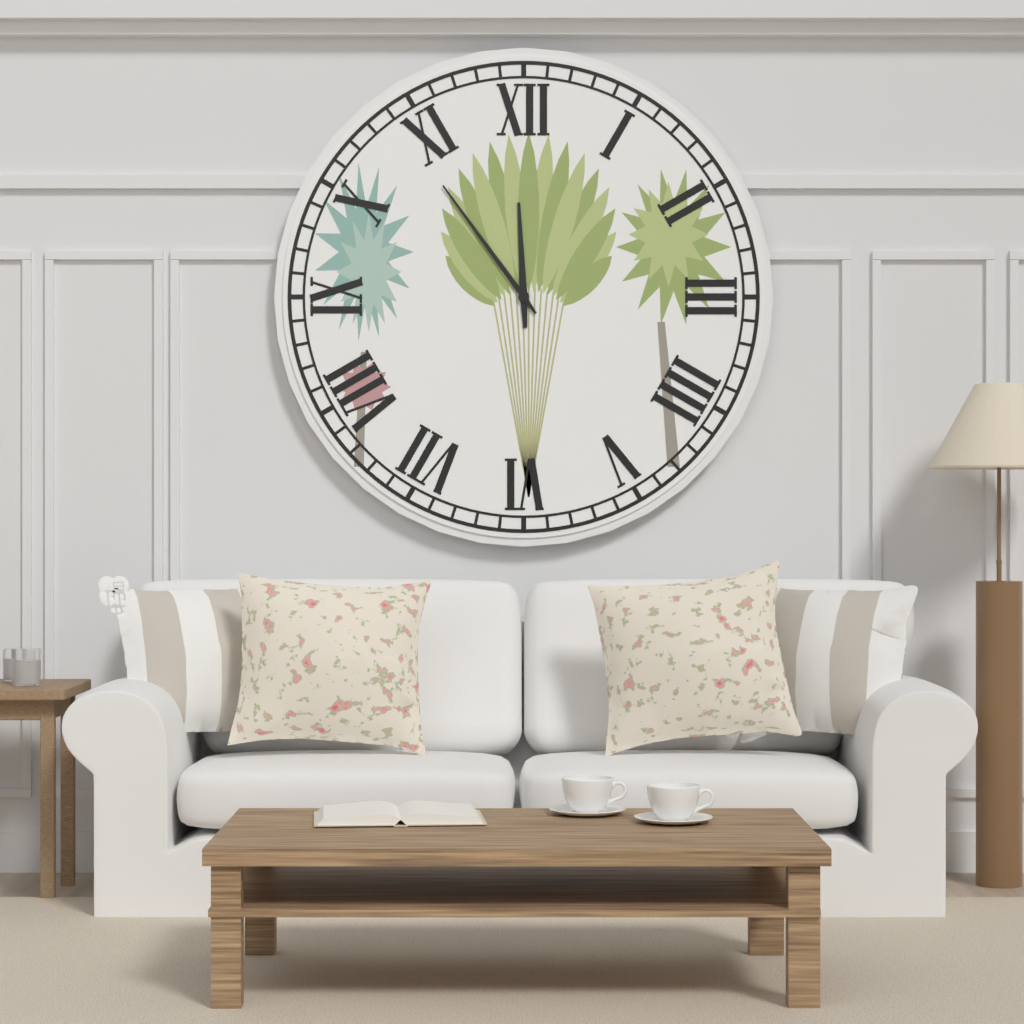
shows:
11,54
